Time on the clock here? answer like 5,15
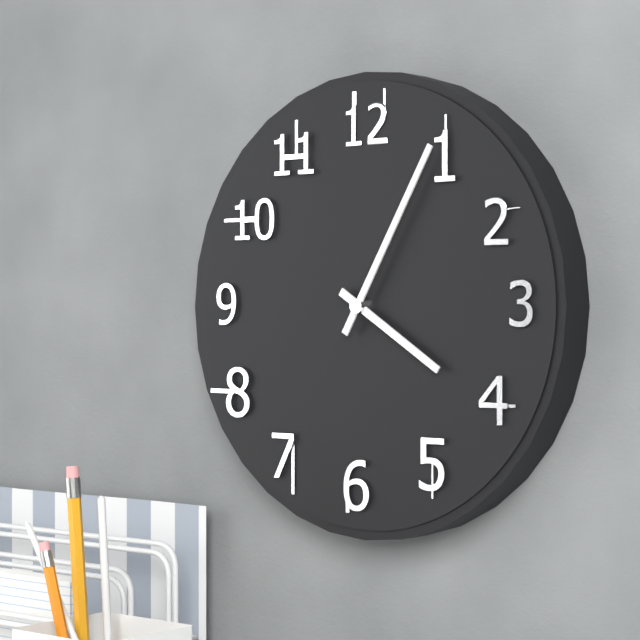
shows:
4,05
